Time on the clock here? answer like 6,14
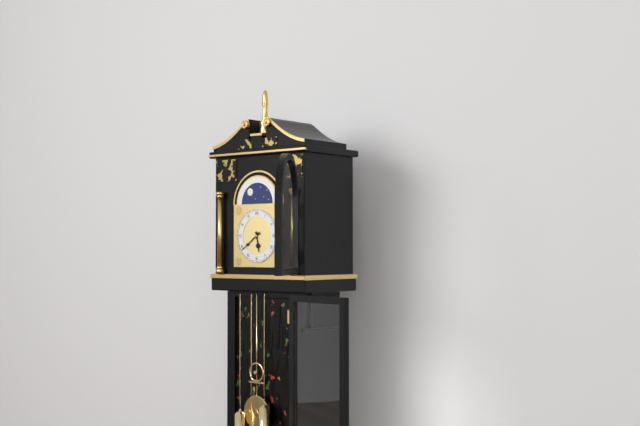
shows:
5,39
